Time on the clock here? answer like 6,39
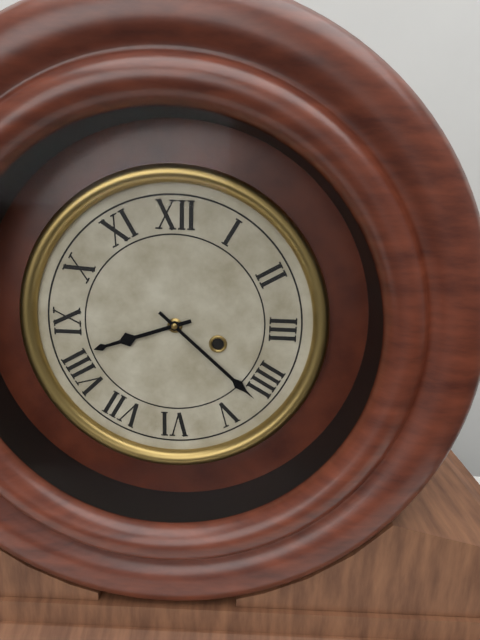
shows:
8,22
